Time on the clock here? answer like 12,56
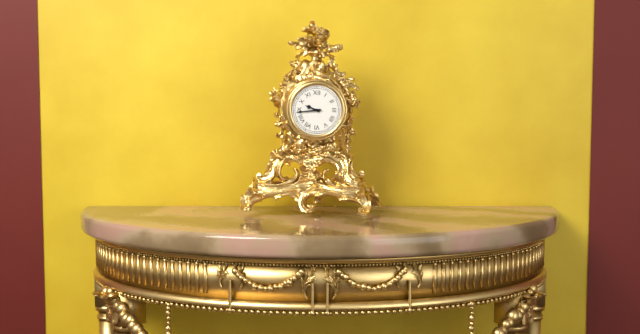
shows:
9,44
